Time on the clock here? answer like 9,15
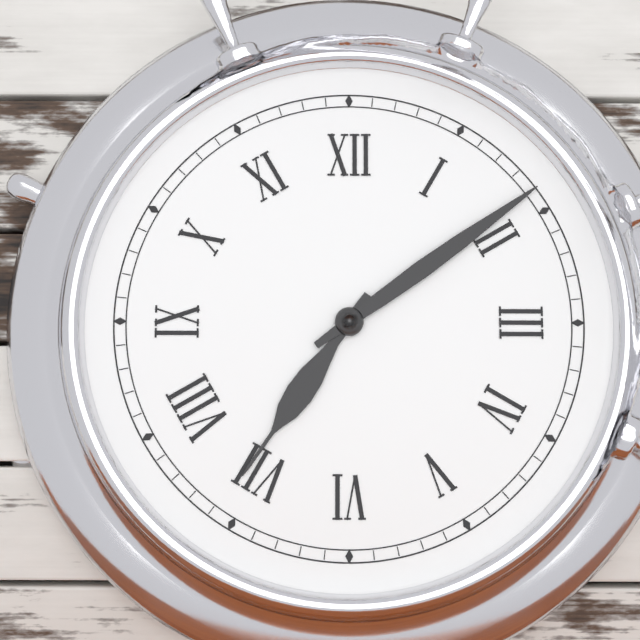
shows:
7,09
